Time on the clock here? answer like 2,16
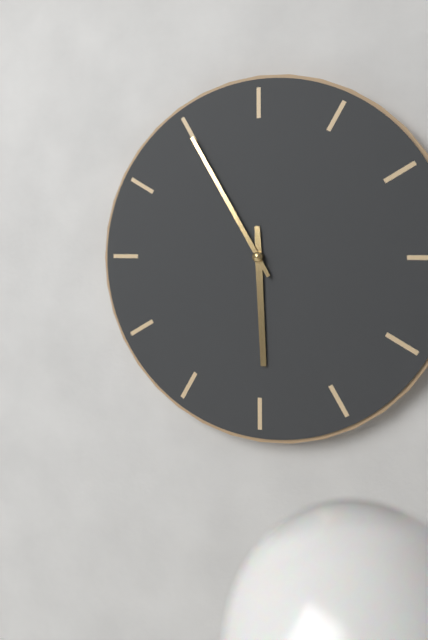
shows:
5,55
